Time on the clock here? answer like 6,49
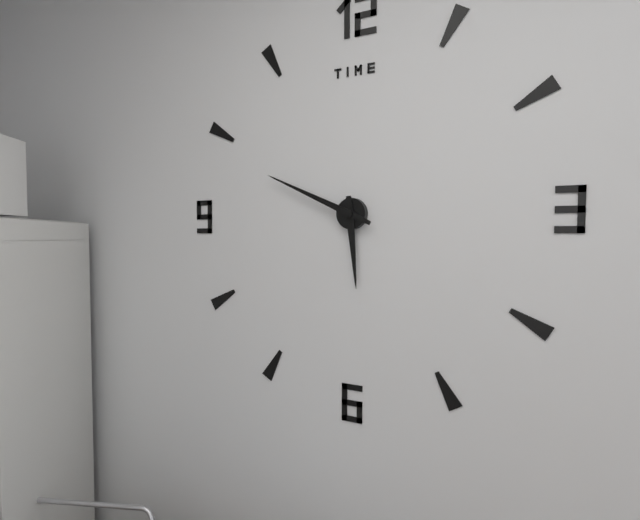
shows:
5,49
